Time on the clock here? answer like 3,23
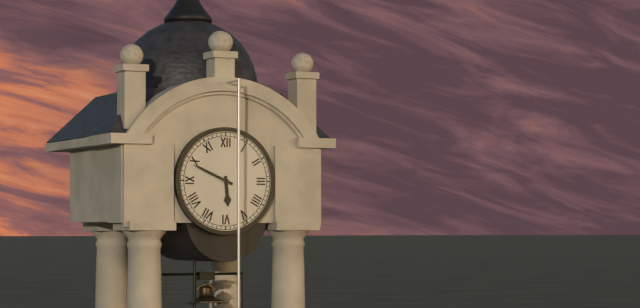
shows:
5,49
